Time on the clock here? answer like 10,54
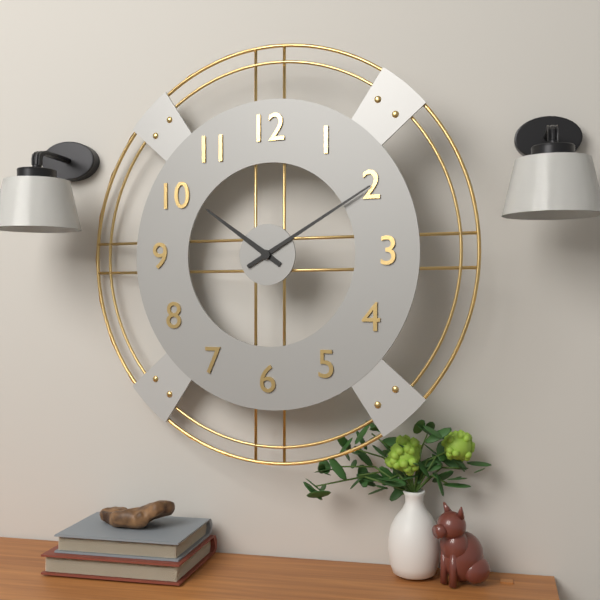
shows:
10,10
